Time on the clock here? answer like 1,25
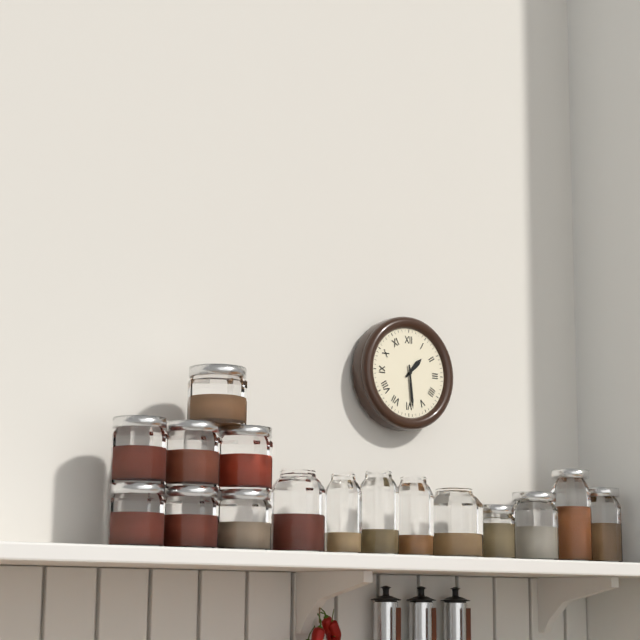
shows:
1,29
